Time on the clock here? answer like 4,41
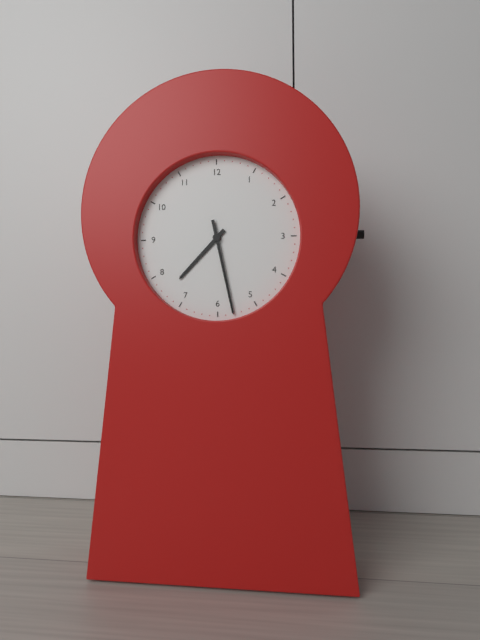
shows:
7,28
